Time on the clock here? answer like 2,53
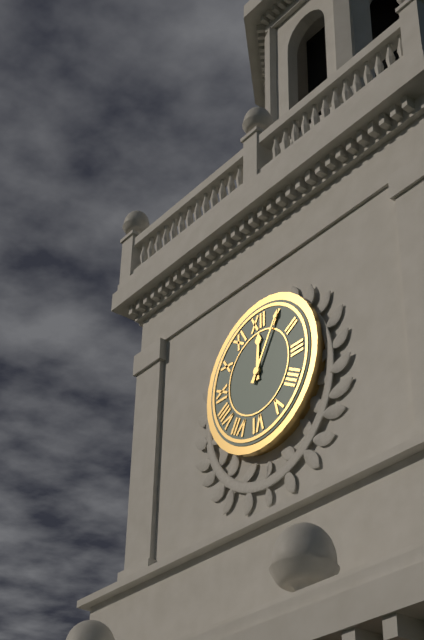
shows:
12,05
